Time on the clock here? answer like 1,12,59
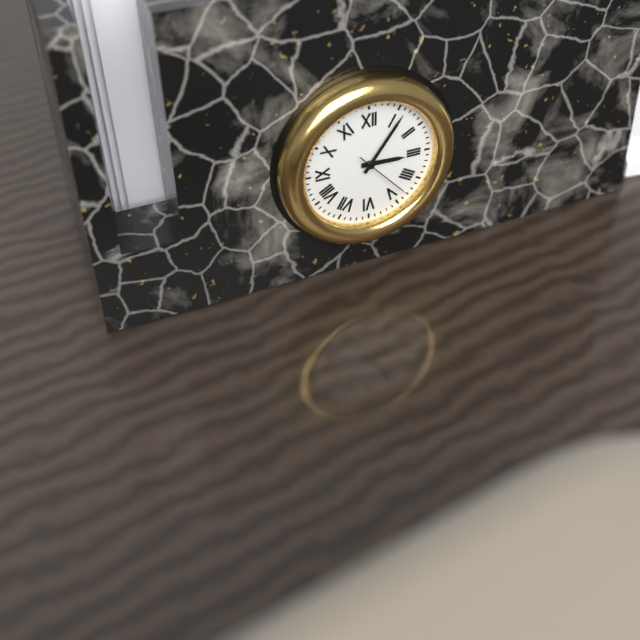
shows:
3,06,23
